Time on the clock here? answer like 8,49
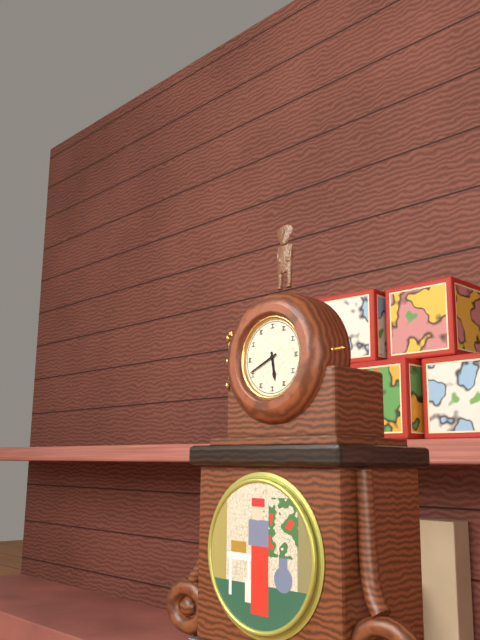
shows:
5,41
